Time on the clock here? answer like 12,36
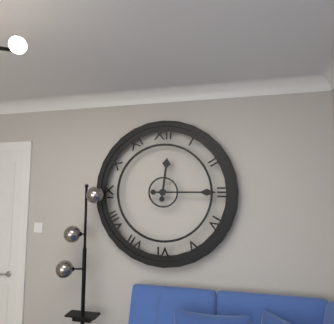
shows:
12,15
